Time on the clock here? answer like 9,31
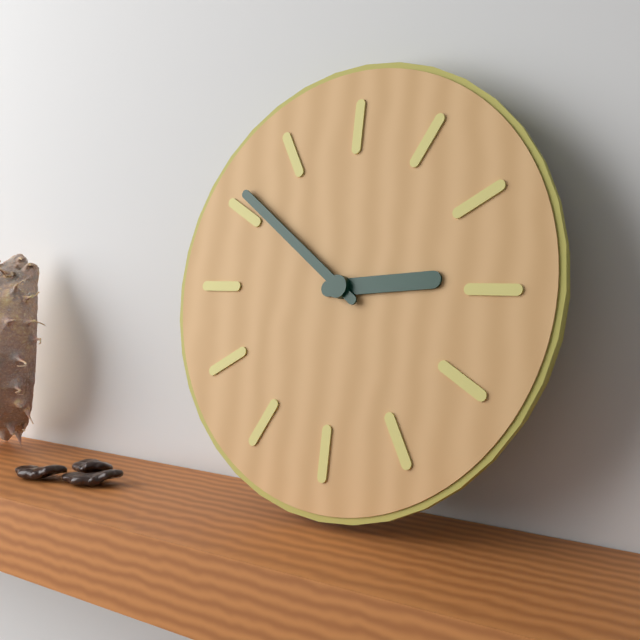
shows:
2,51
